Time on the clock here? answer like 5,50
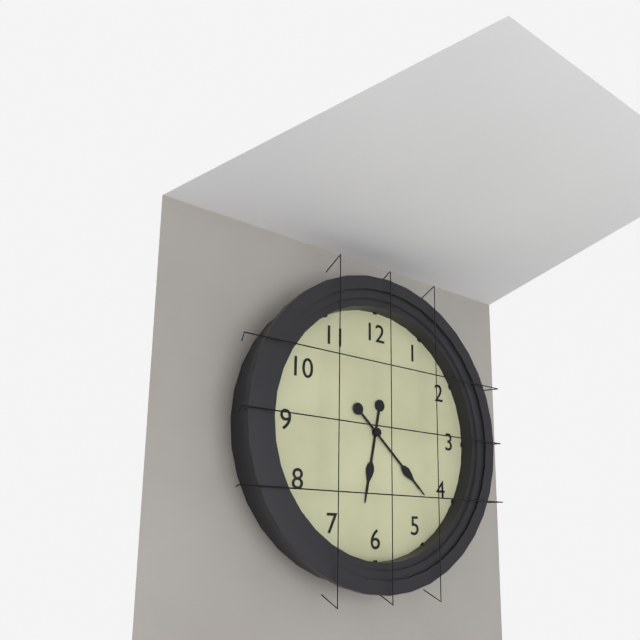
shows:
6,22
